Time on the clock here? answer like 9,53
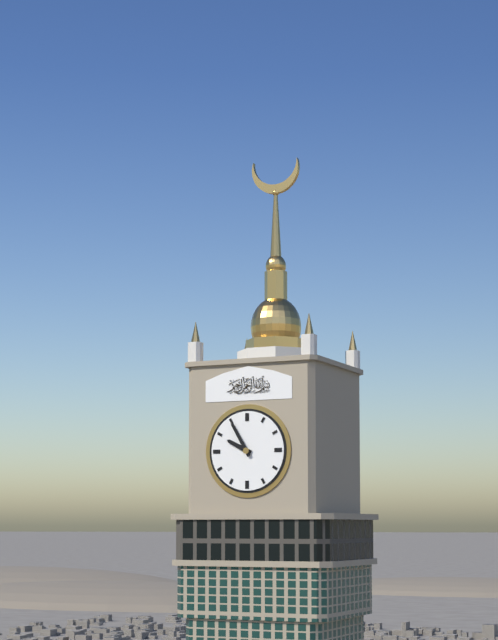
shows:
9,55
